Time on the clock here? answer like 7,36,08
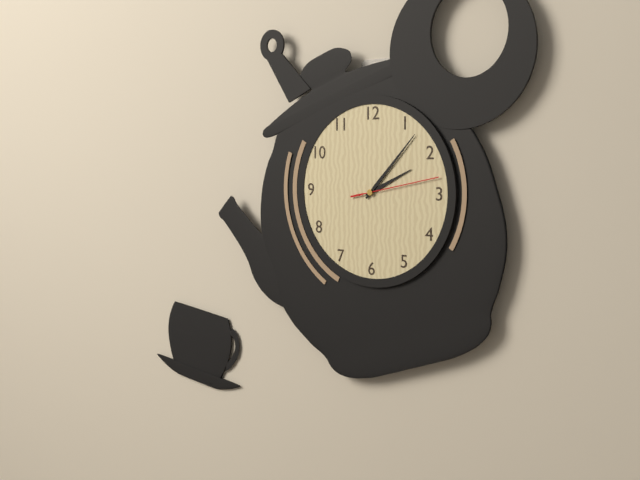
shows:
2,07,13
